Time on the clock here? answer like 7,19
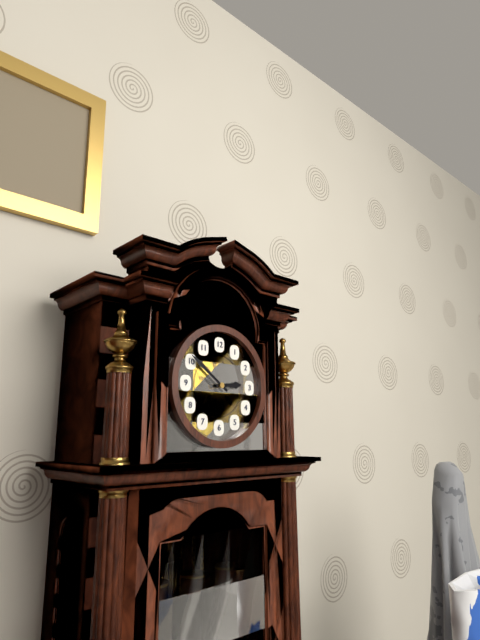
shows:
2,51
